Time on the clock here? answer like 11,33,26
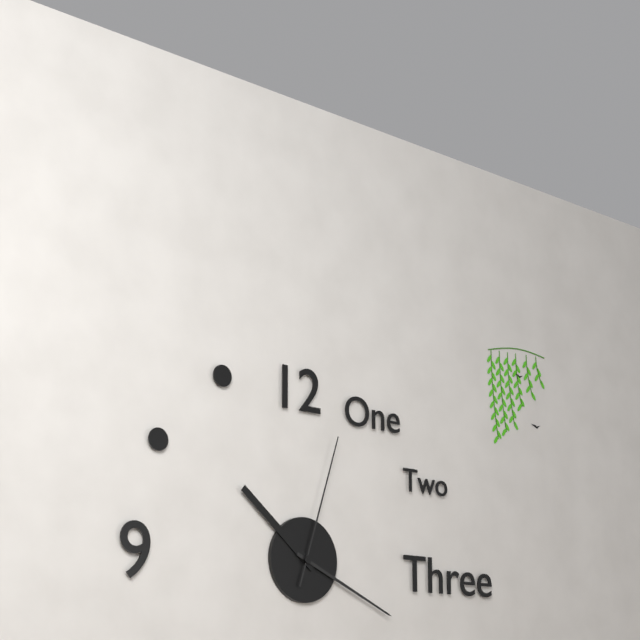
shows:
10,19,03
